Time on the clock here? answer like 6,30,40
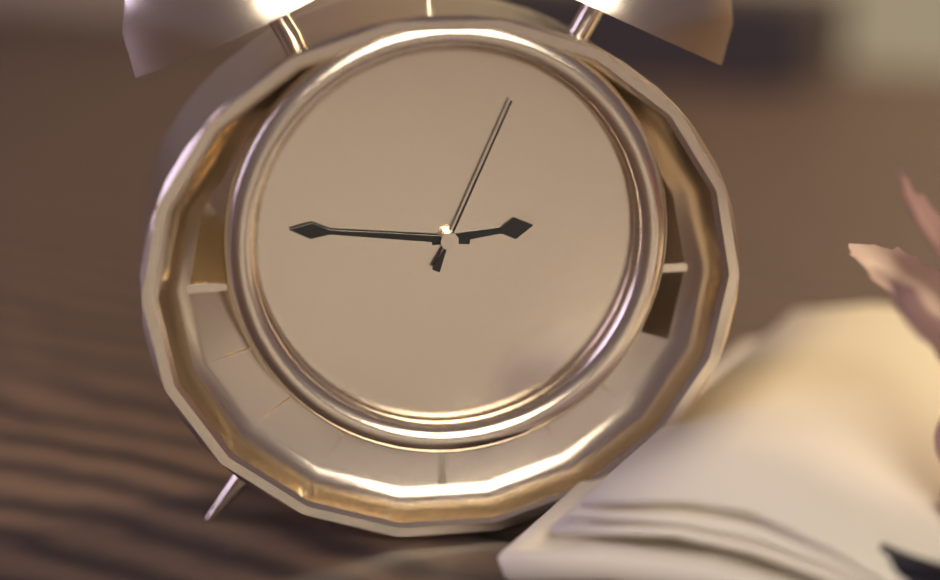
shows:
2,46,04
